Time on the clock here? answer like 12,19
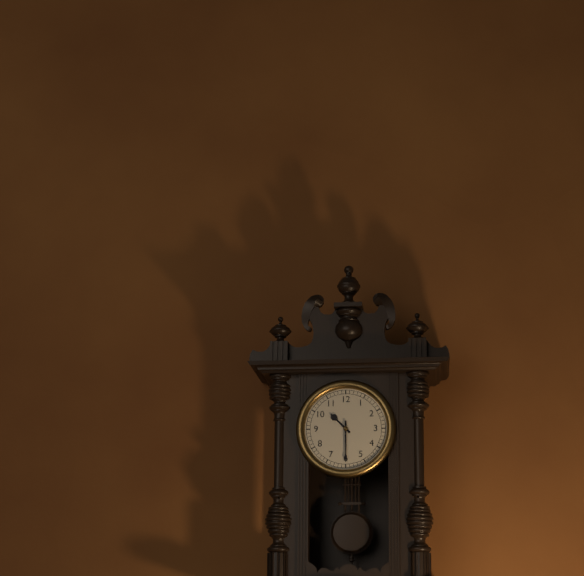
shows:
10,30
